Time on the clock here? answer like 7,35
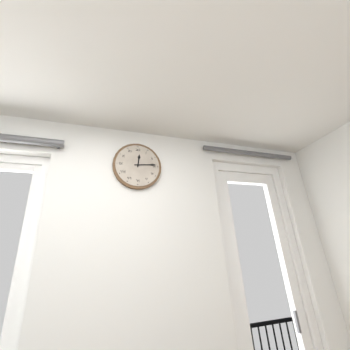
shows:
12,14
